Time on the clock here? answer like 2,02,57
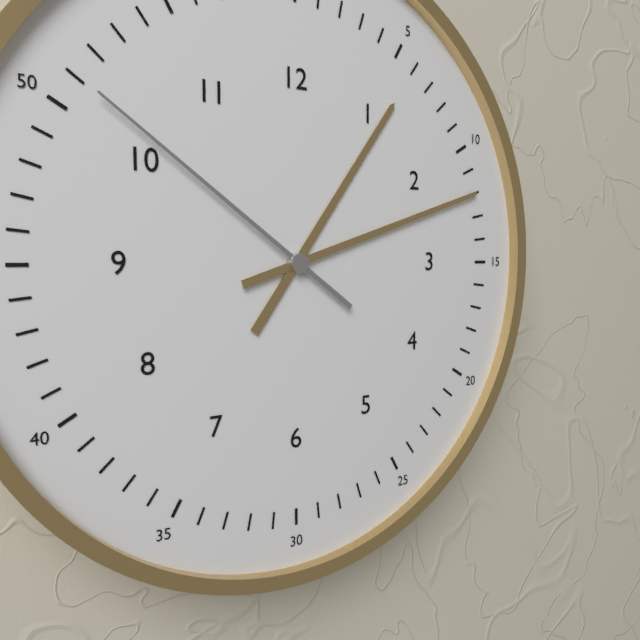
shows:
1,12,51
